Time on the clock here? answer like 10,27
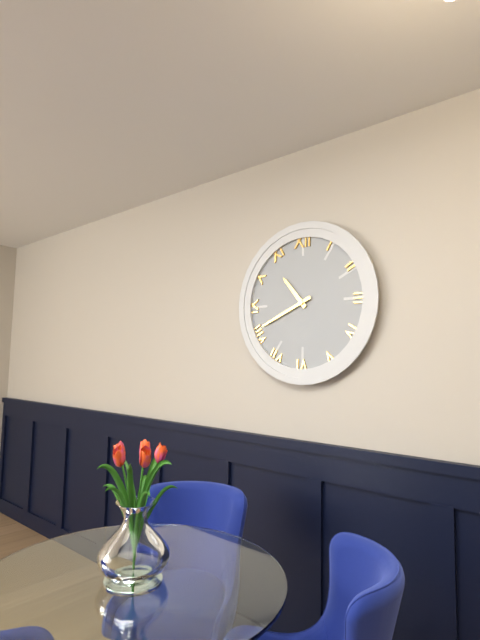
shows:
10,41
